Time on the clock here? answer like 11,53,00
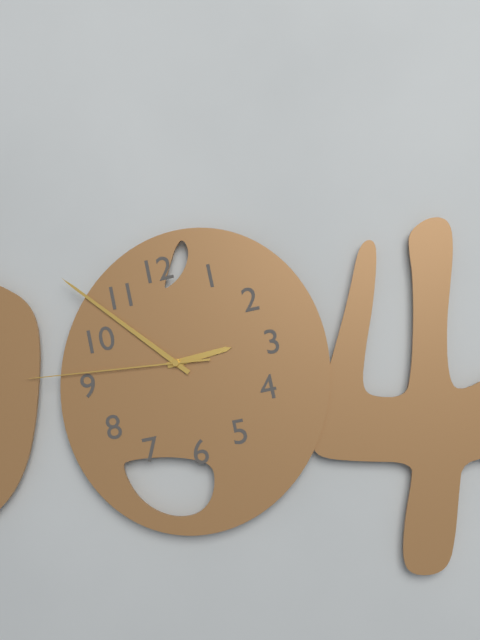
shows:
2,53,46
